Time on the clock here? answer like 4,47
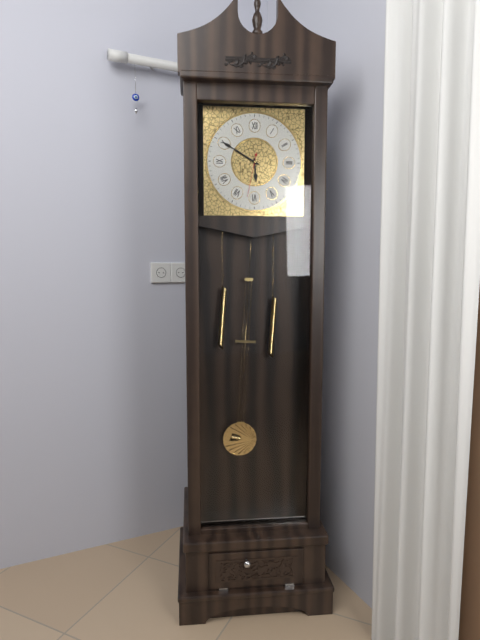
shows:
5,50
